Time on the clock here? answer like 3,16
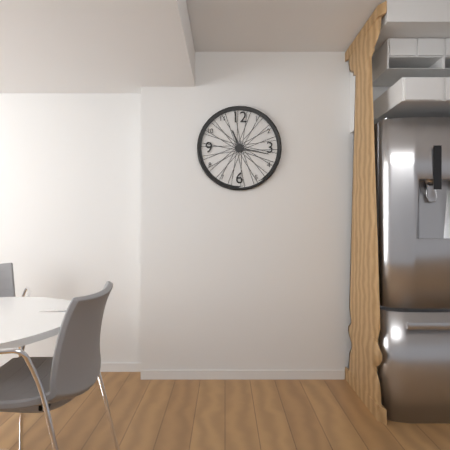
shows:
11,17
